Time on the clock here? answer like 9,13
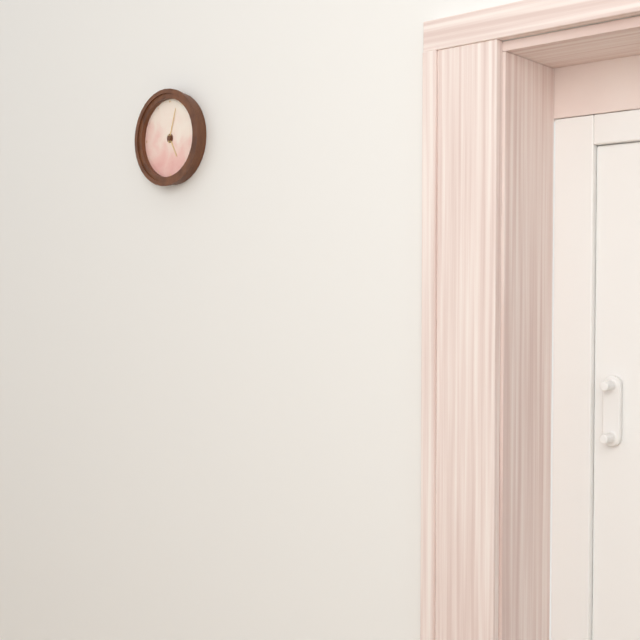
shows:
5,03
